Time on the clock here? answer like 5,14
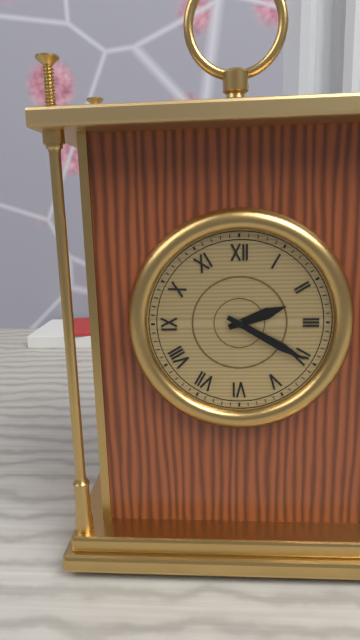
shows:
2,20
